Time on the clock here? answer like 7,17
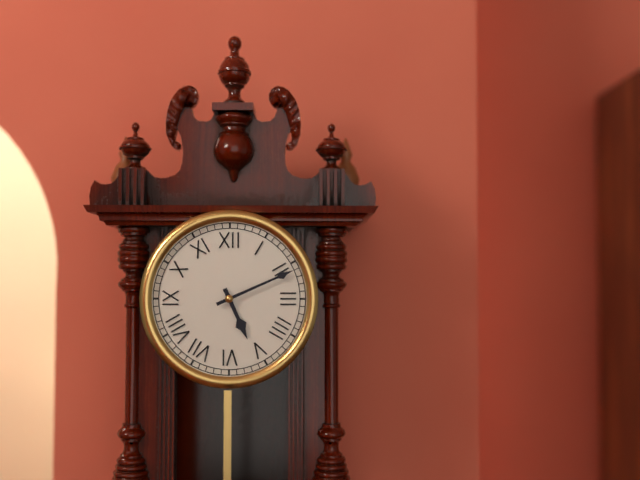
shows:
5,11
